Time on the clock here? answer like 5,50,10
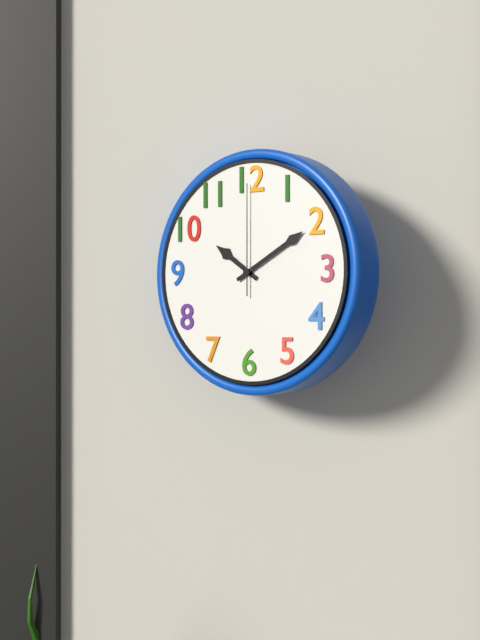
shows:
10,10,00
